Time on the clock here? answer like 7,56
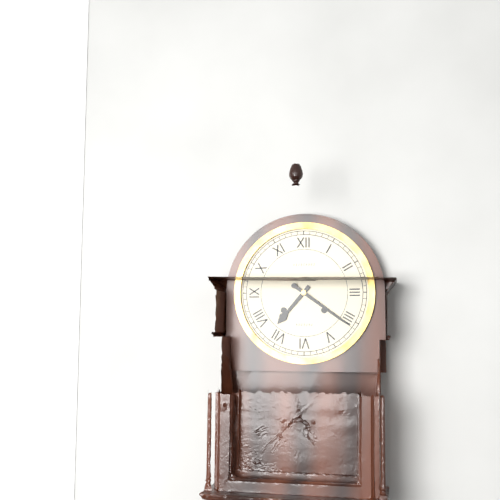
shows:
7,21
